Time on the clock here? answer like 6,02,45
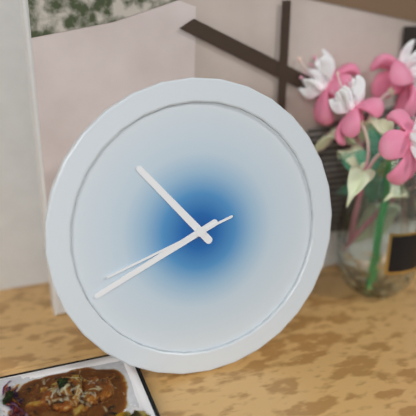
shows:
10,41,42
